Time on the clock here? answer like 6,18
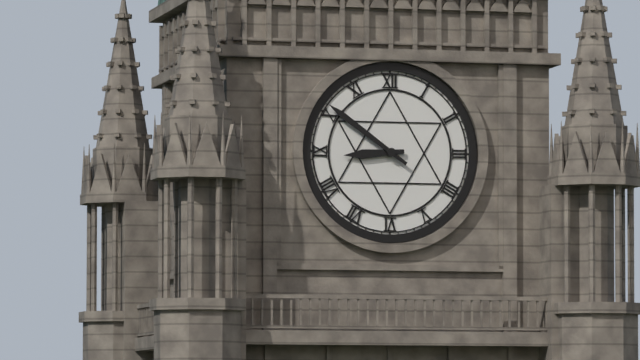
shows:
8,51
